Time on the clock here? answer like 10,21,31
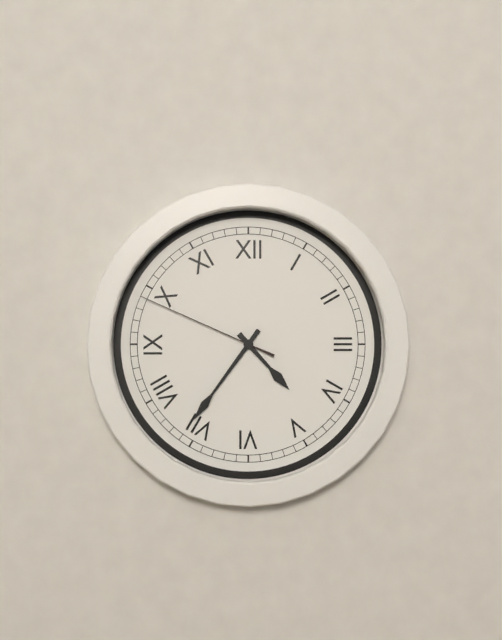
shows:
4,36,49
